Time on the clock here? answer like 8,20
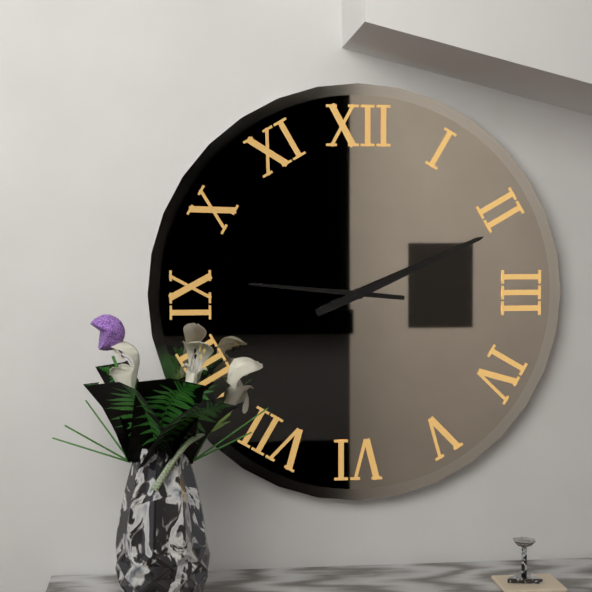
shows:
9,11
